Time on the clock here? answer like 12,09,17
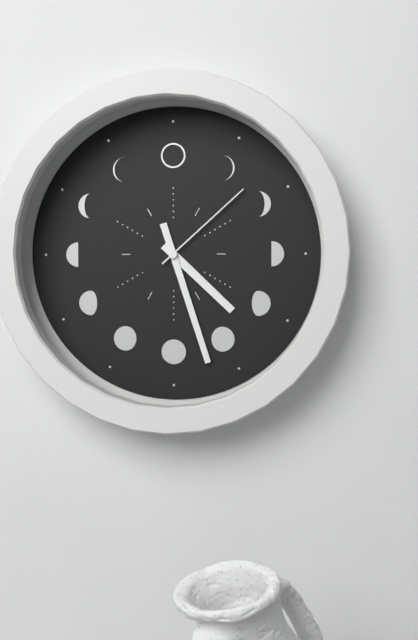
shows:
4,27,08
